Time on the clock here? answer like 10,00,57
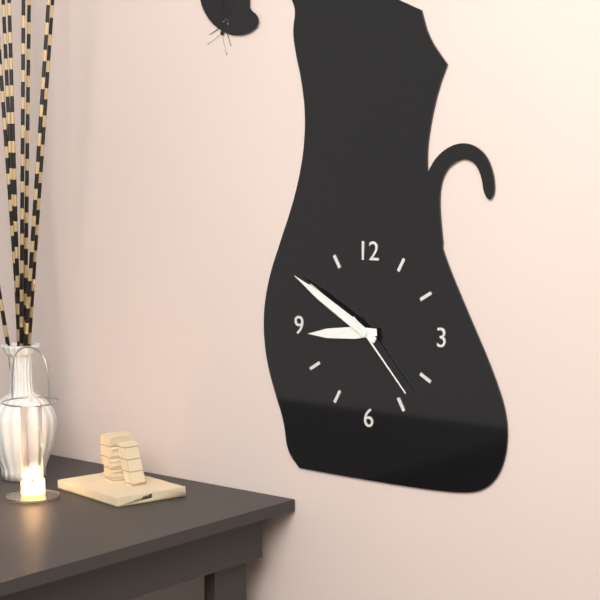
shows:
8,50,23
